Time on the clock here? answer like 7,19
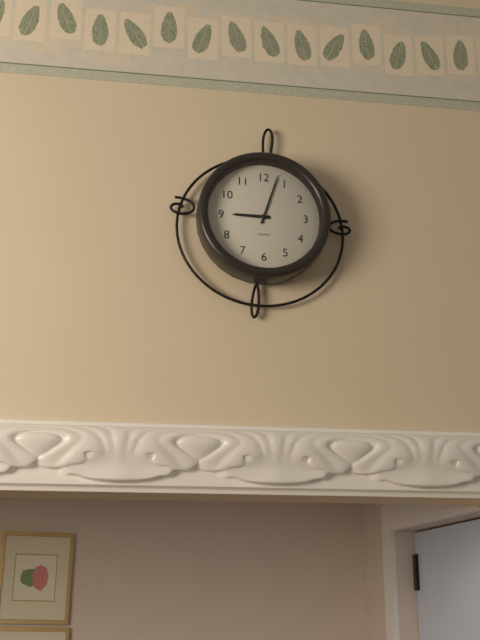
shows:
9,03
